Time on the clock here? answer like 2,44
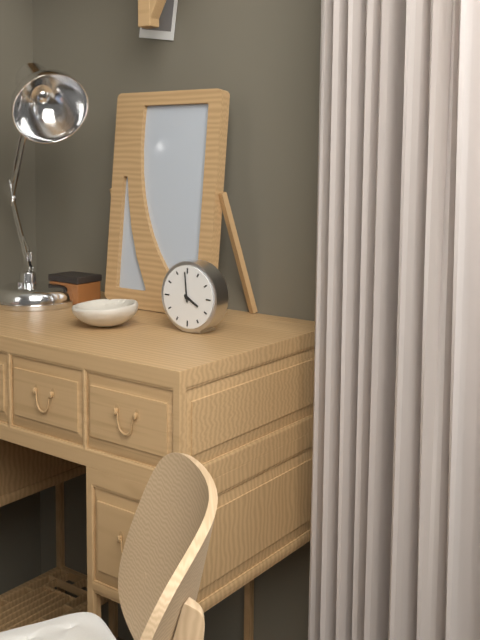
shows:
3,59
